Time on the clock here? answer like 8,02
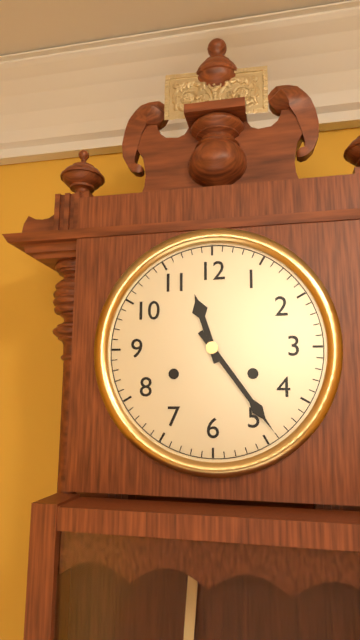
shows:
11,24
